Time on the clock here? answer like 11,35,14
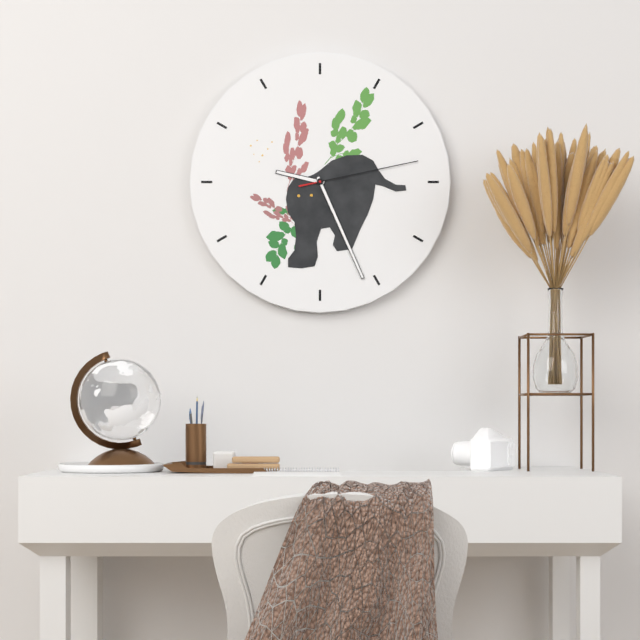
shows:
9,26,13
